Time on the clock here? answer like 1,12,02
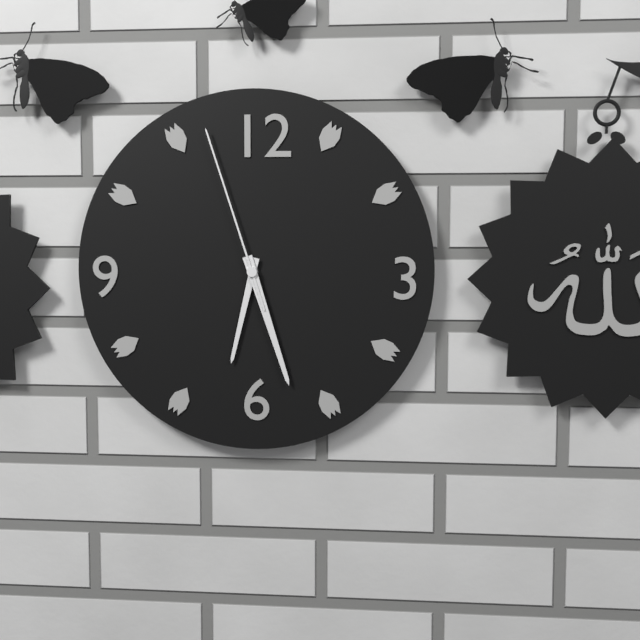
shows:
6,27,57
